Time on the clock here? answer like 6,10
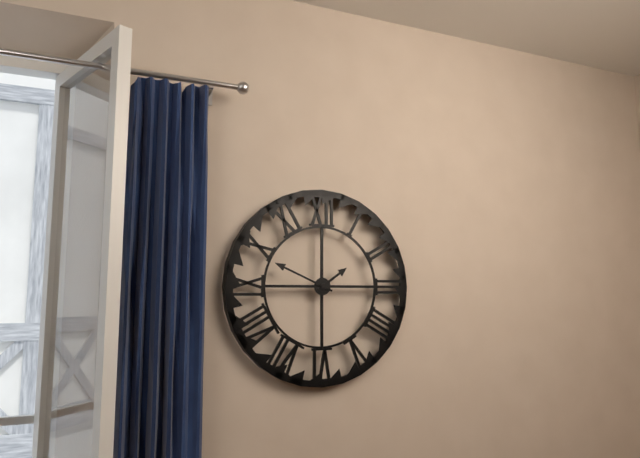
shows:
1,49
